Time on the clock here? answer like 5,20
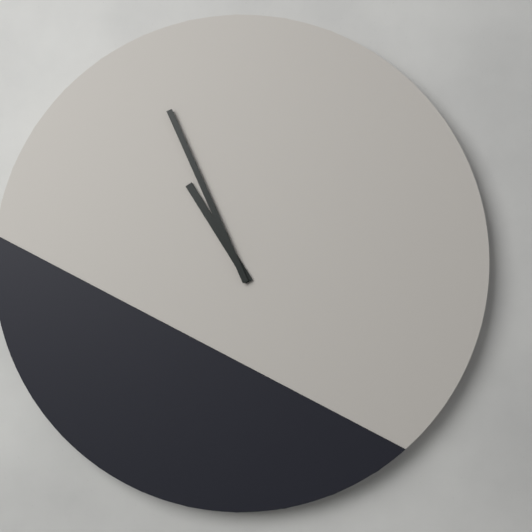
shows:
10,56
